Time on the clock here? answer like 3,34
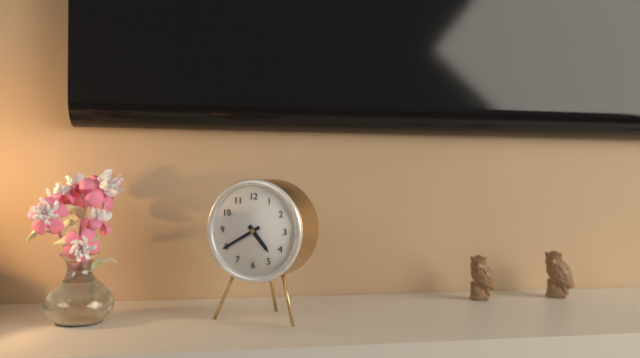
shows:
4,40
